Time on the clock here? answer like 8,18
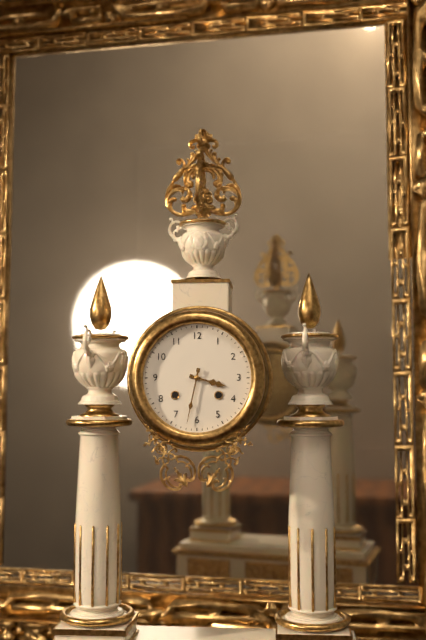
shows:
3,32
